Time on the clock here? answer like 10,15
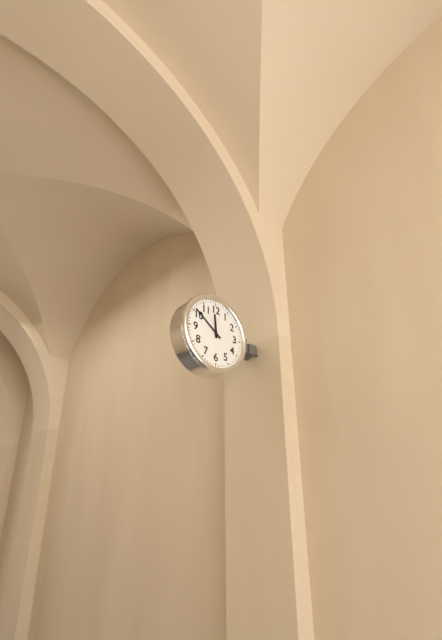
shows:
11,51
